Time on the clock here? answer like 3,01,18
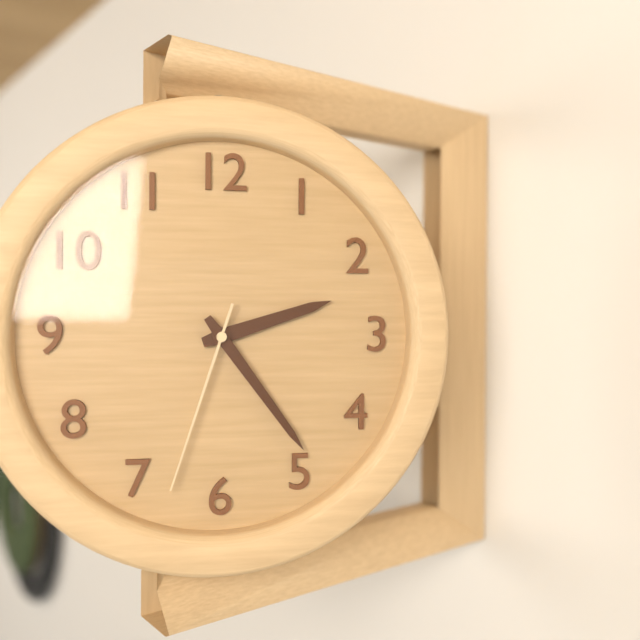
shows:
2,24,33
